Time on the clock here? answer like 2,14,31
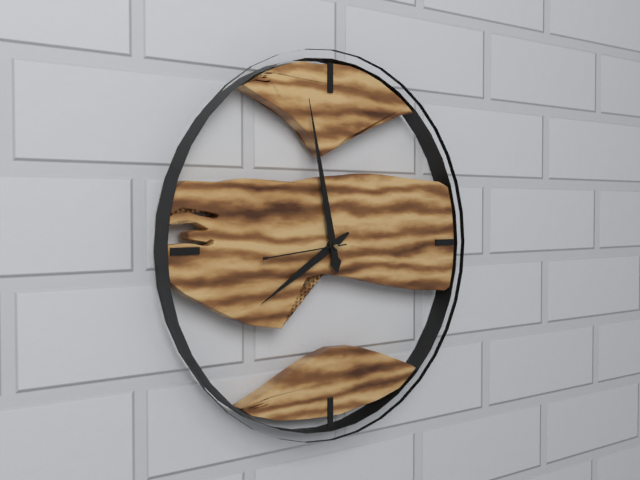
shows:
7,58,44
